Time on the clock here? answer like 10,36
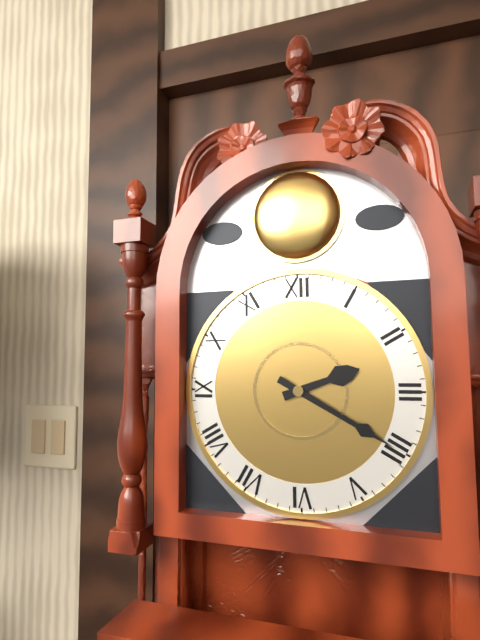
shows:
2,20
